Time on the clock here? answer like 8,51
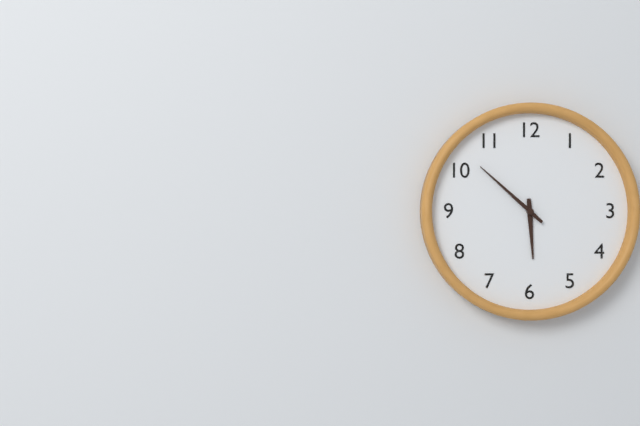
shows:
5,52
